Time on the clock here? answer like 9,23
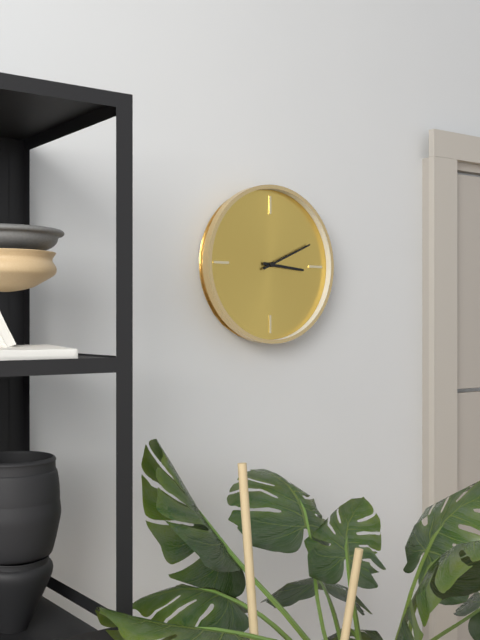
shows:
3,11
